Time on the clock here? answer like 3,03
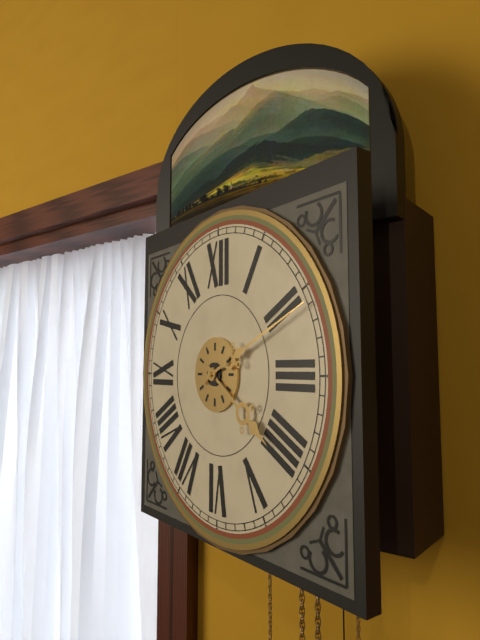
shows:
4,11
